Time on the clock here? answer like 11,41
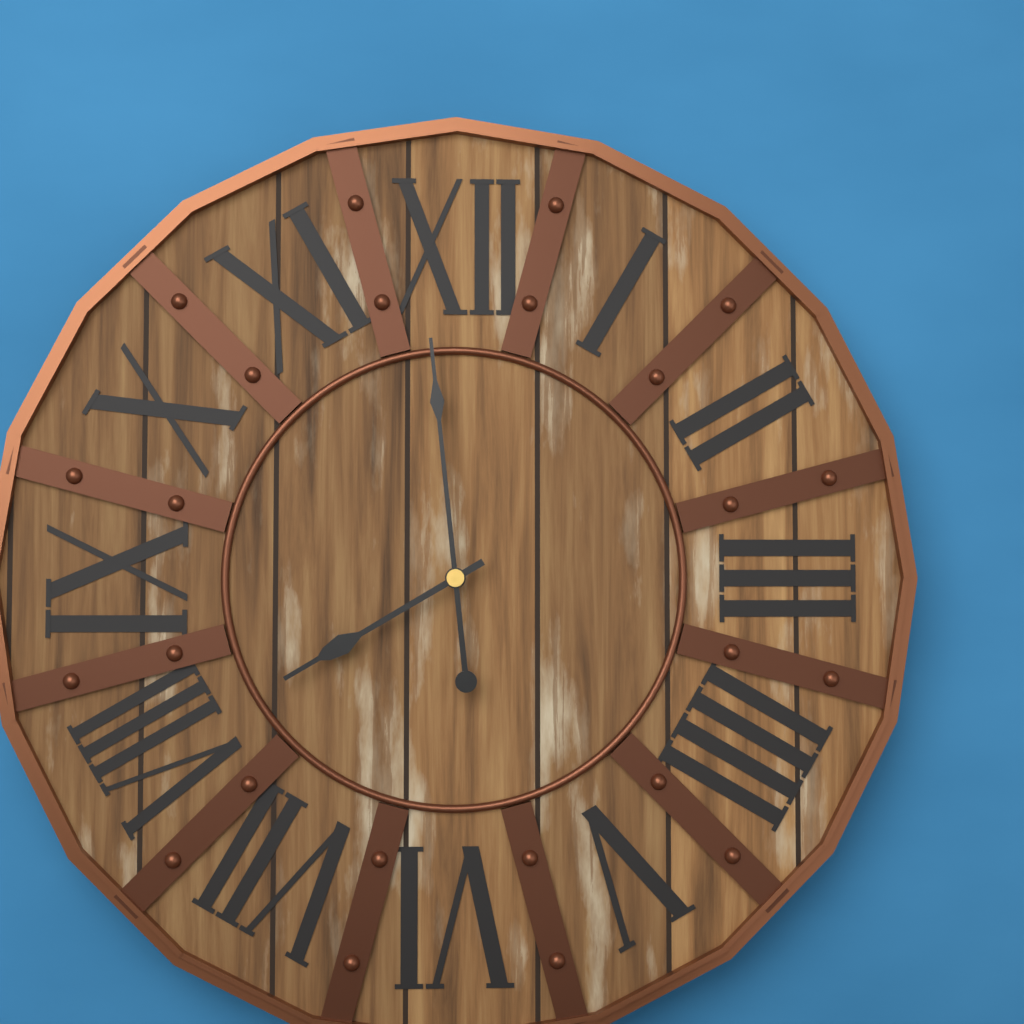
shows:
7,59
